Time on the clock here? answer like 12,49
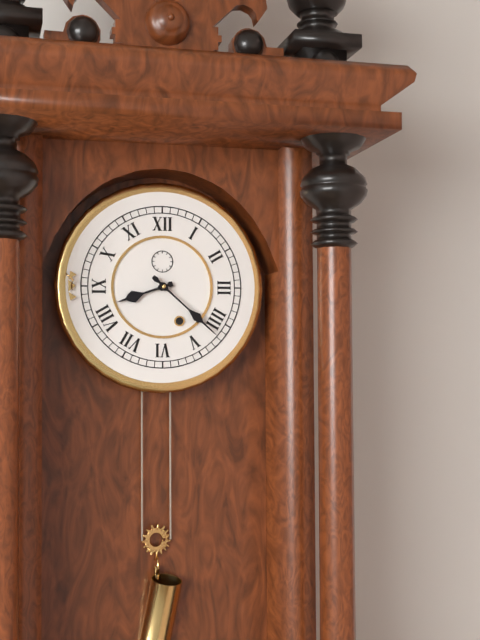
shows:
8,22
